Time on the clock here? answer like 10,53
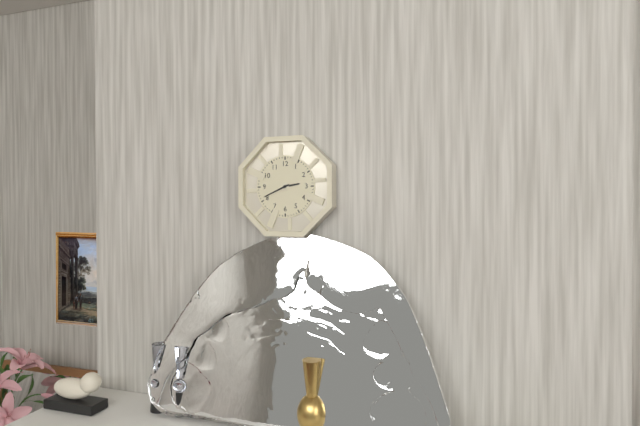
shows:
2,41
